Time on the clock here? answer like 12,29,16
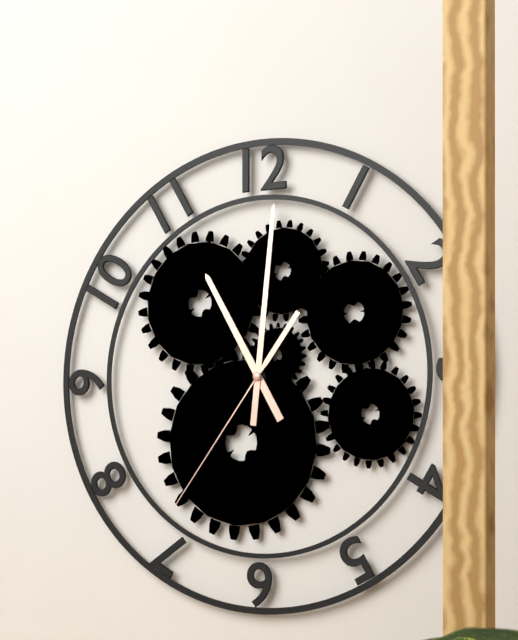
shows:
11,01,36
